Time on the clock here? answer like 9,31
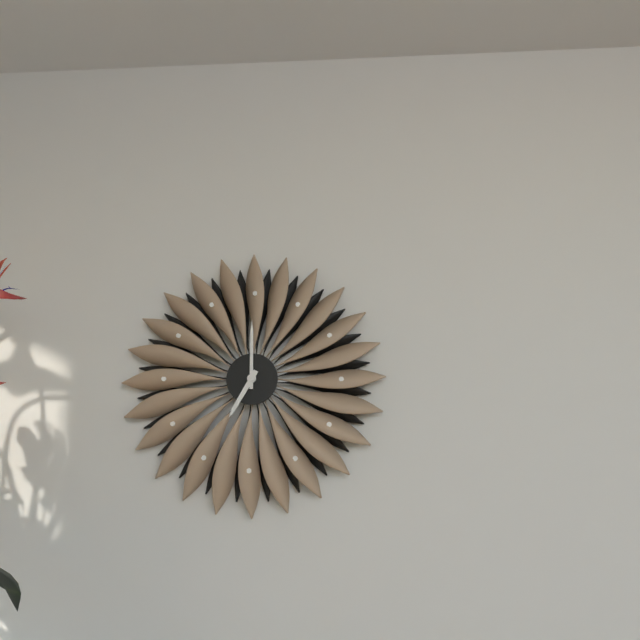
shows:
7,00
